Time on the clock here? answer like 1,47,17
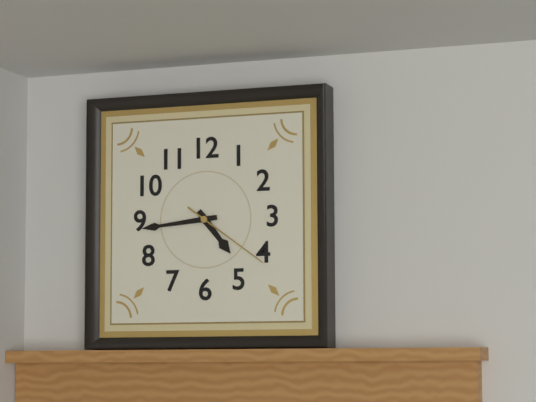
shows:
4,44,21
